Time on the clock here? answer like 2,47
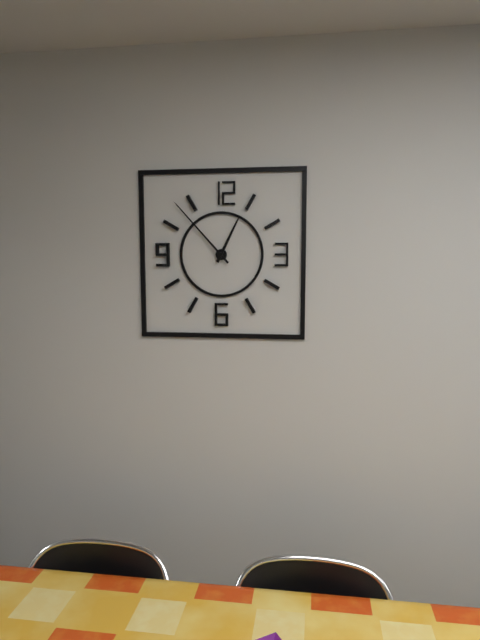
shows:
12,53
